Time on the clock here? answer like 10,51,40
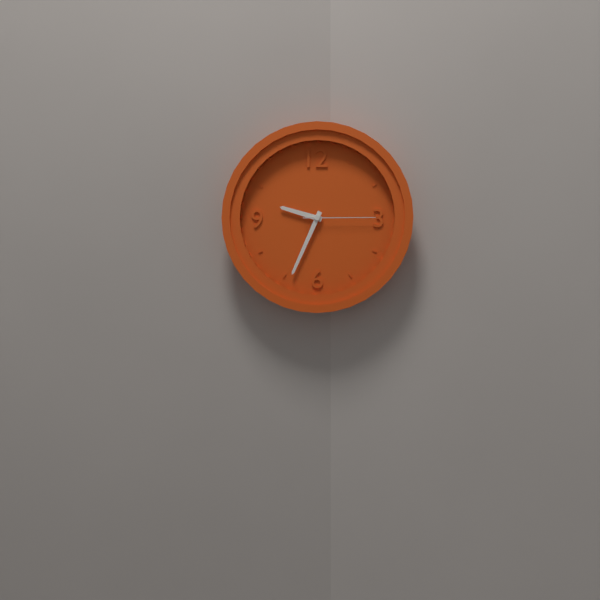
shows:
9,34,15
